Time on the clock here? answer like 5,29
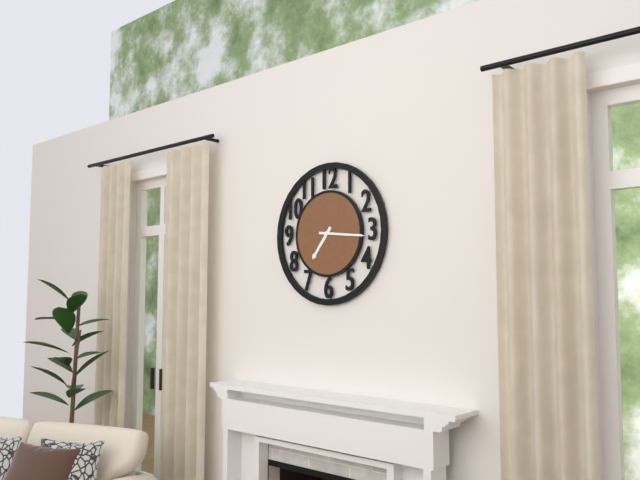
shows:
7,16
